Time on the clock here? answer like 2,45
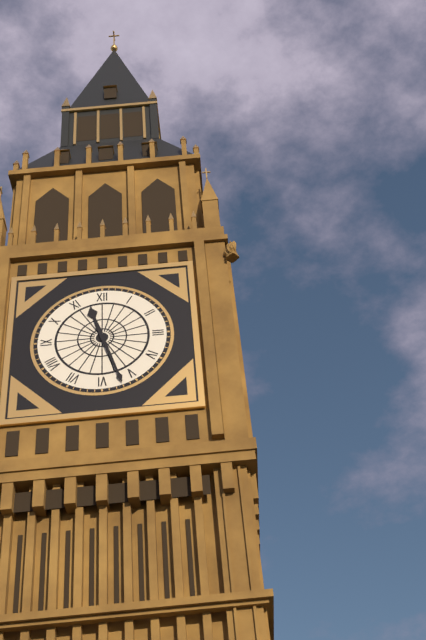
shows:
11,27
